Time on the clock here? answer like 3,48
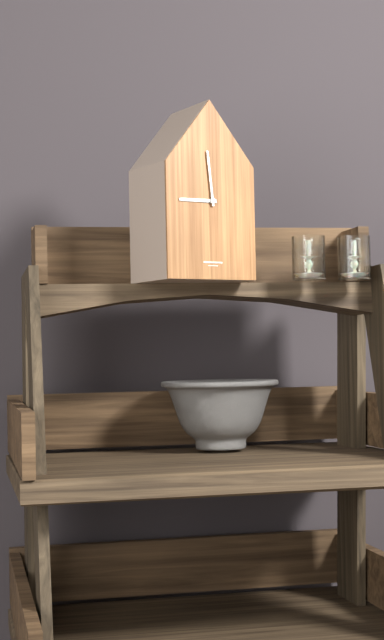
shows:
8,59
